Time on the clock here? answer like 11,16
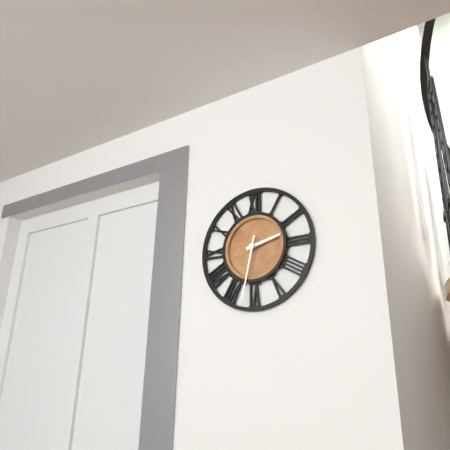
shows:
2,32
